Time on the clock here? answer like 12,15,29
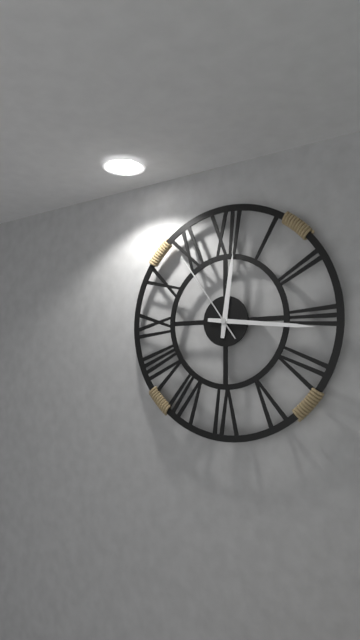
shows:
12,16,54
